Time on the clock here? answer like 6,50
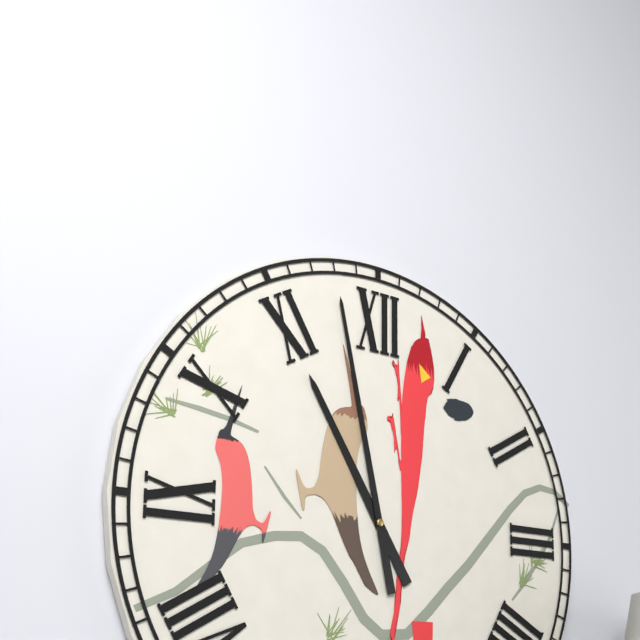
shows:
10,58
